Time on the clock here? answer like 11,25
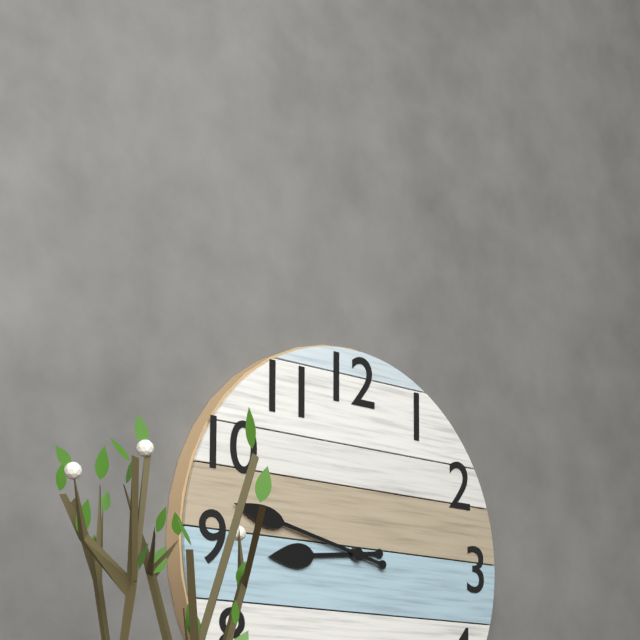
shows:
8,47
